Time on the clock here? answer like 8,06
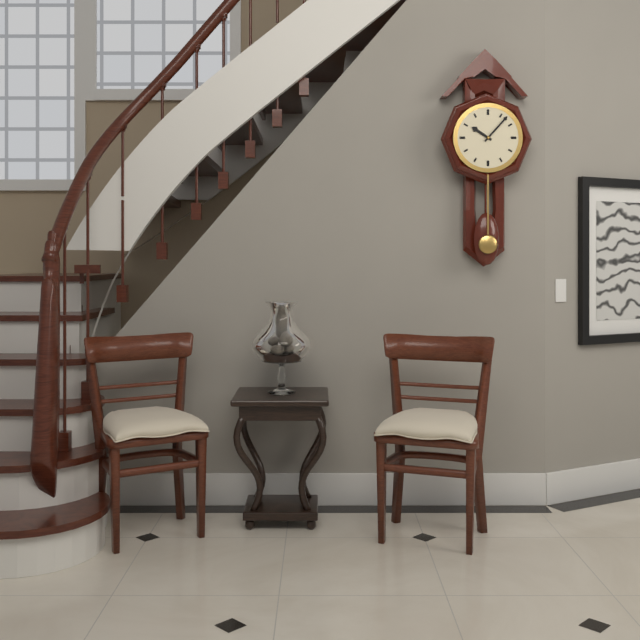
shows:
10,07
